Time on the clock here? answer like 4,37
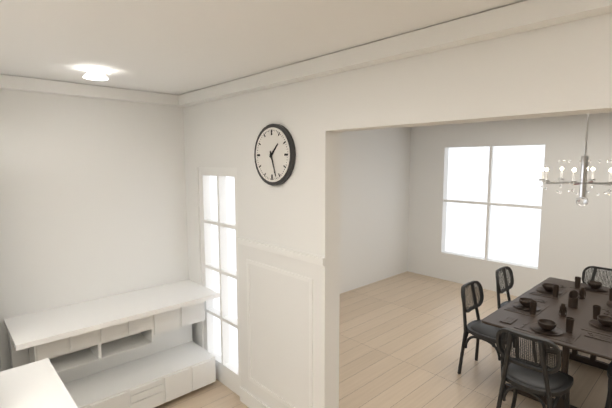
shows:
1,27
